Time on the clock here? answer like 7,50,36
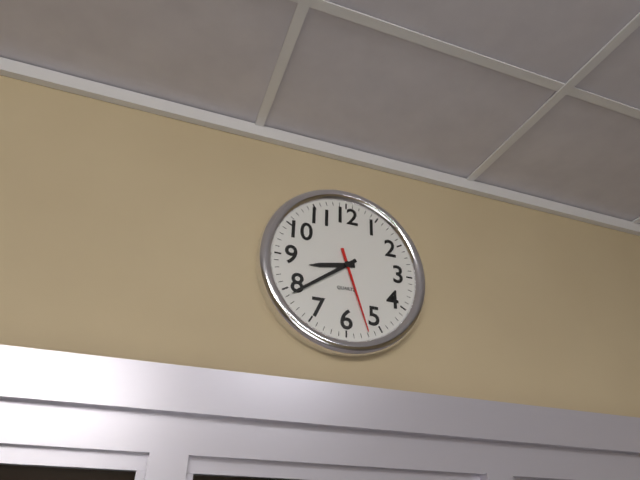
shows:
8,39,27
